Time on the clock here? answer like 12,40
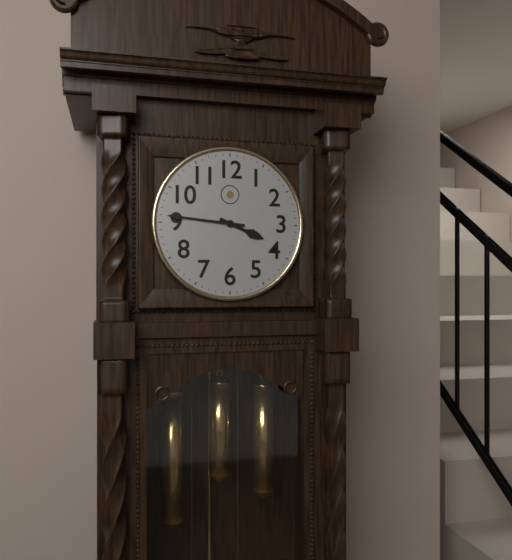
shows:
3,46
